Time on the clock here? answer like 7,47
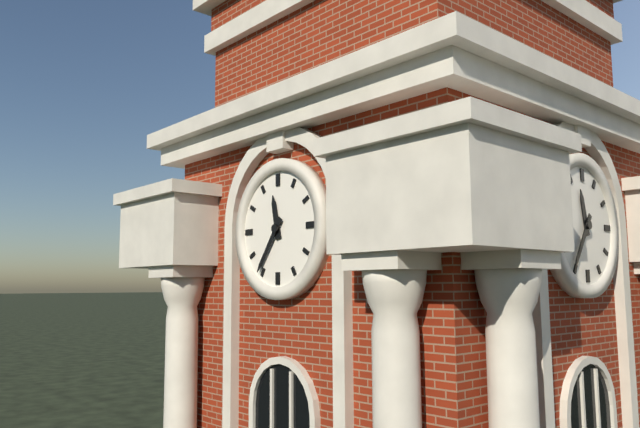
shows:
11,36
